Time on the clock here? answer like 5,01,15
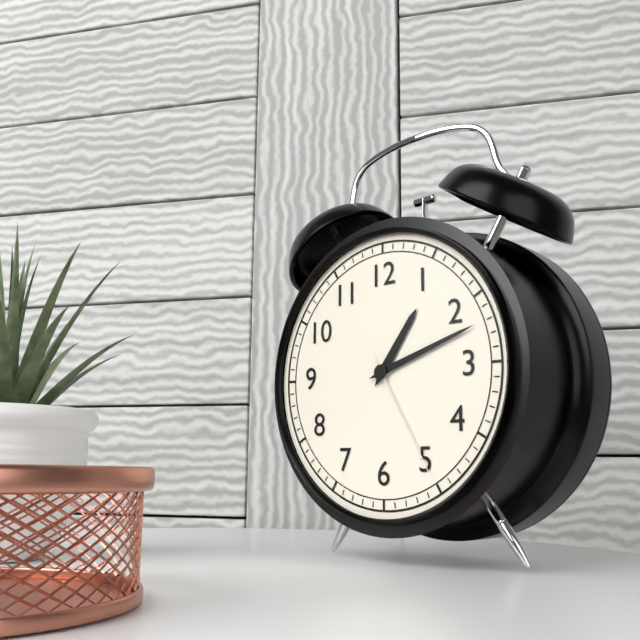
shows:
1,12,25
